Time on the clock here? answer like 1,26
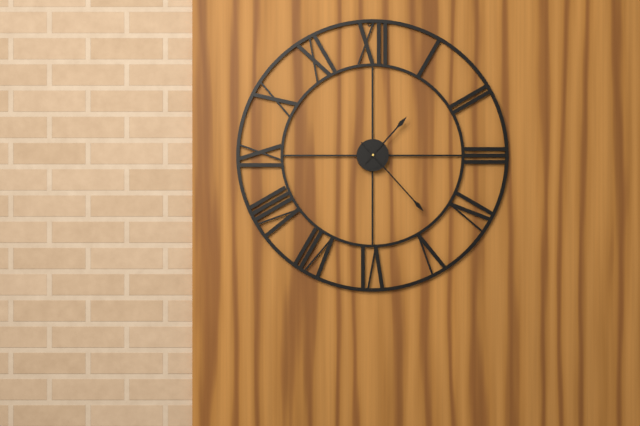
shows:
1,23
